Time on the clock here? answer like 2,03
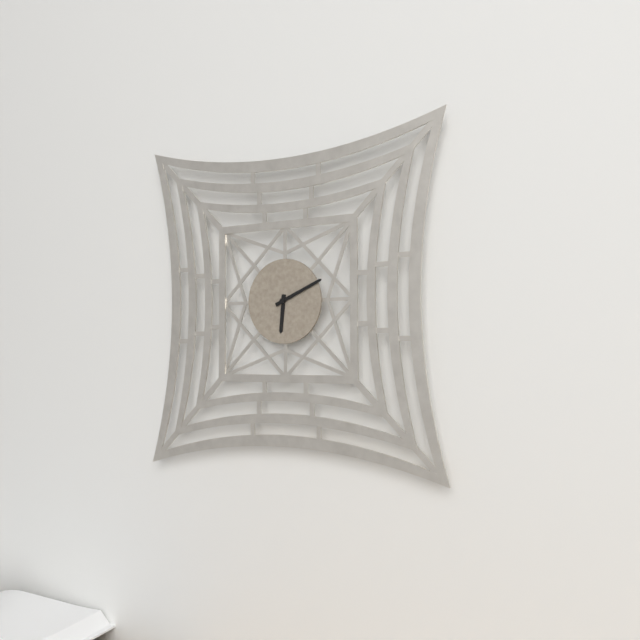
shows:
6,11
